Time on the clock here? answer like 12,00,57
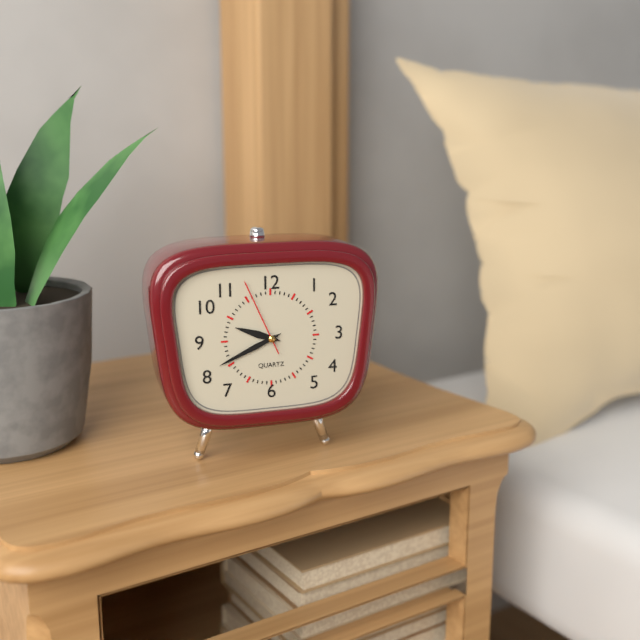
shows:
9,41,56
